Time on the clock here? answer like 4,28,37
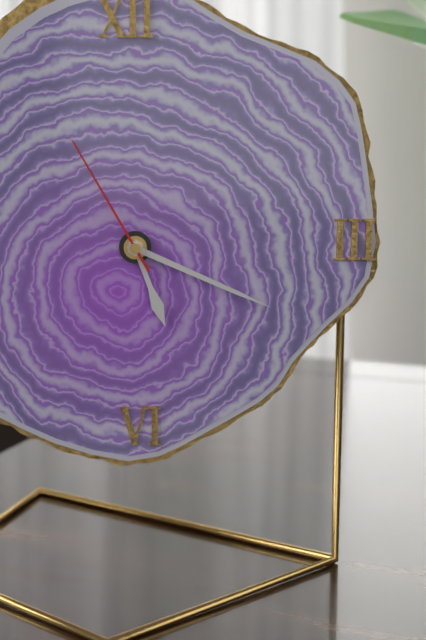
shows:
5,19,55
